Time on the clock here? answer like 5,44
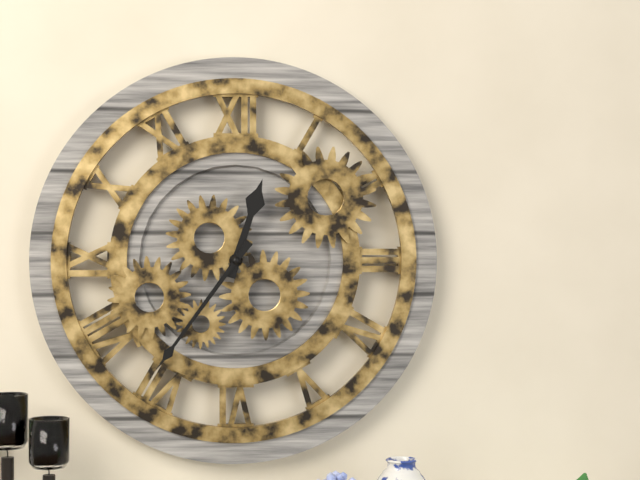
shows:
12,36
